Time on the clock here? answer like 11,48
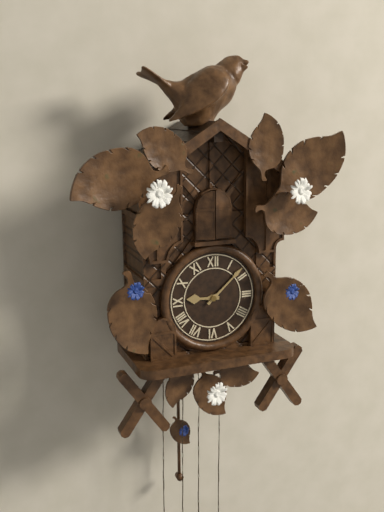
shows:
9,08
